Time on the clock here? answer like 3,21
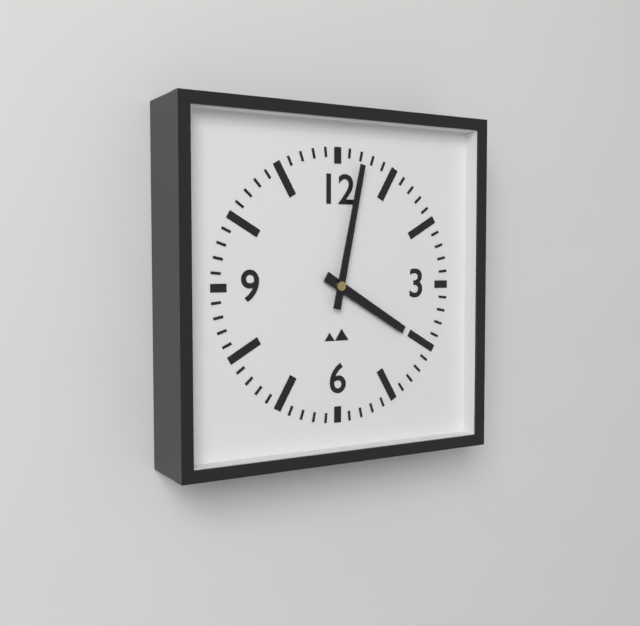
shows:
4,02
